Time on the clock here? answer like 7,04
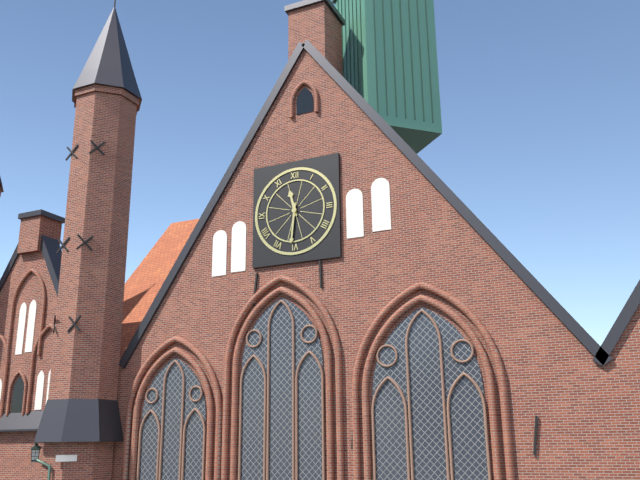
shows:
11,31
